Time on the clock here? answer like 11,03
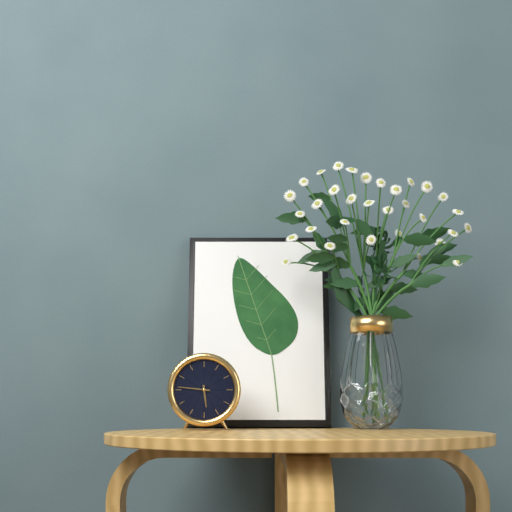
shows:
5,46
